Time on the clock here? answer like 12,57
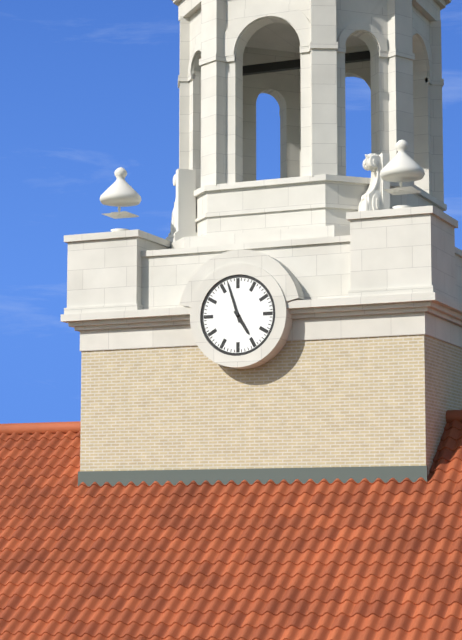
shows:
4,57
